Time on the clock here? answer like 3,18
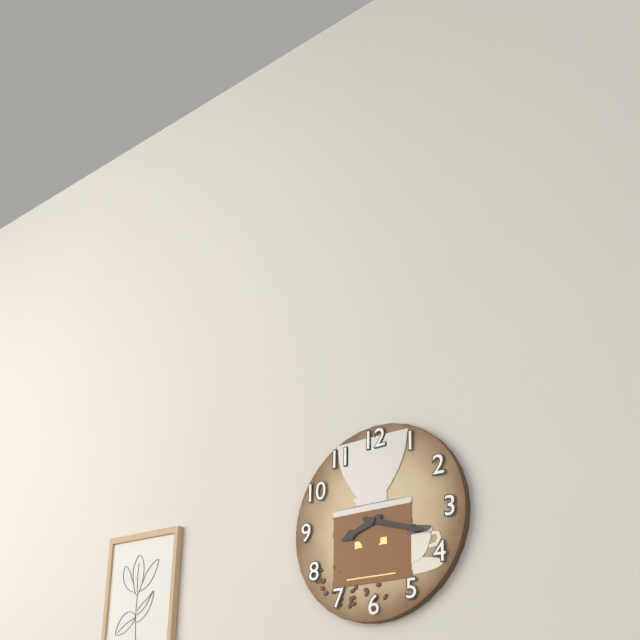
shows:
8,18
